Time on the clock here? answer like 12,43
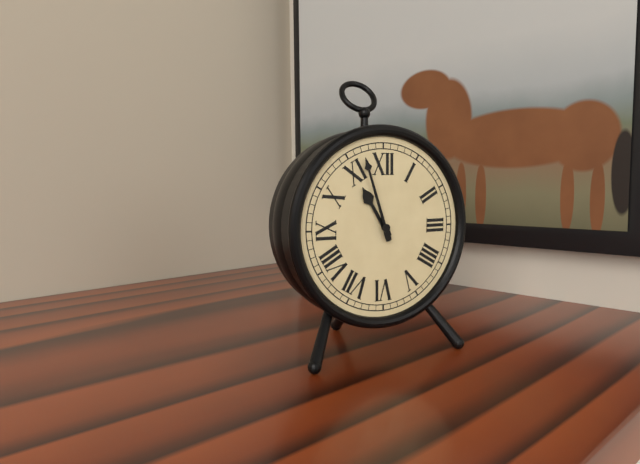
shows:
10,57
